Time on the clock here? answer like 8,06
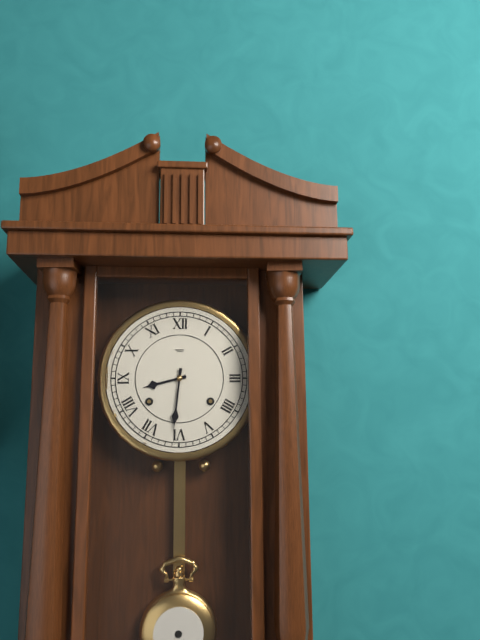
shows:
8,31
